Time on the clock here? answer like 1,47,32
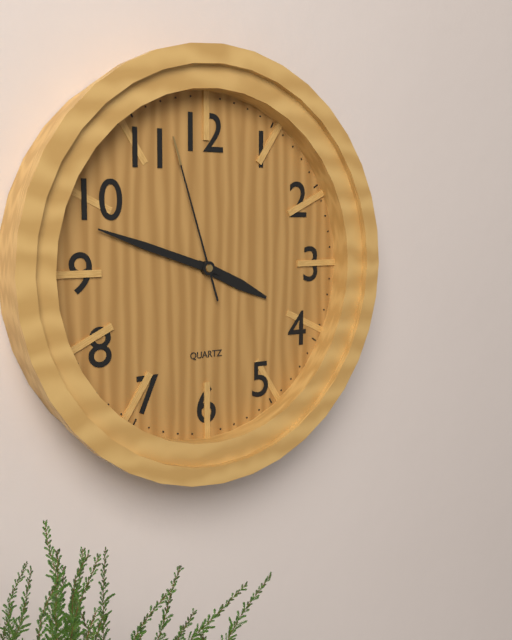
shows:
3,48,57
